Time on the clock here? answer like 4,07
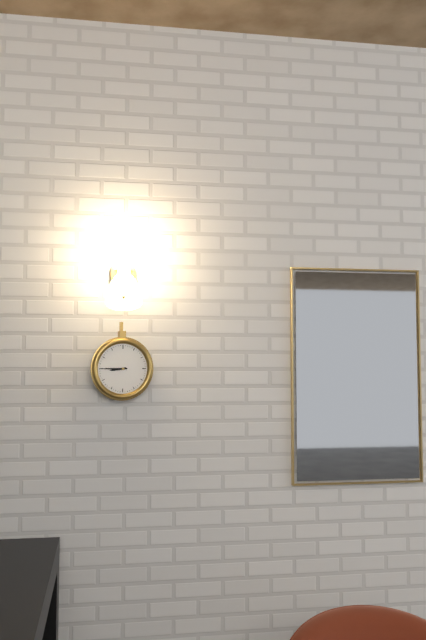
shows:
8,45
